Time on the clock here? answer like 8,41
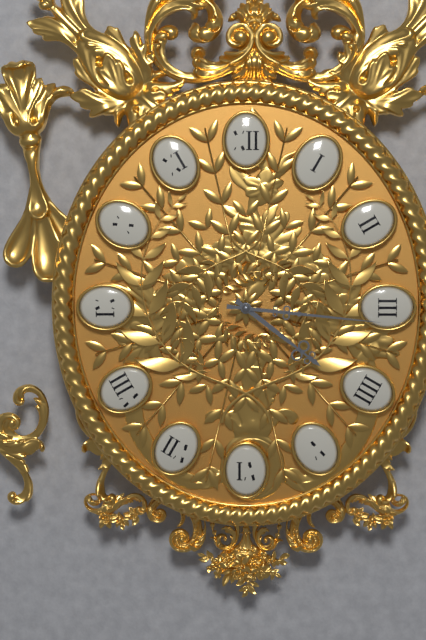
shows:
4,16
